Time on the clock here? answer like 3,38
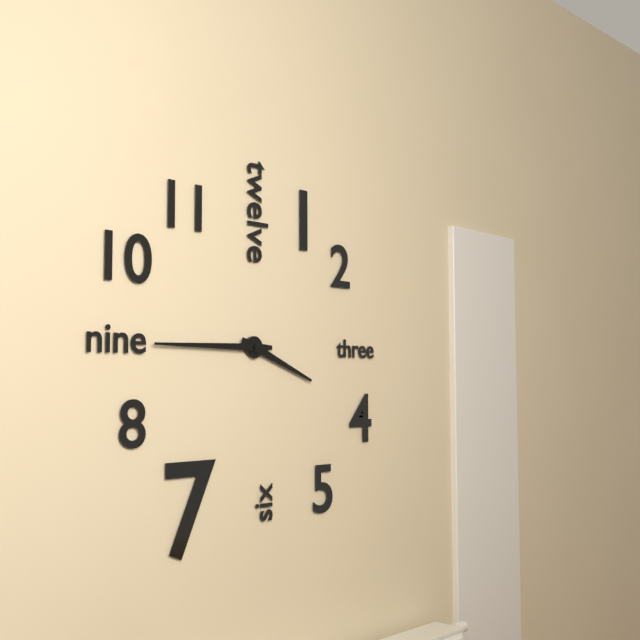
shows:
3,45
